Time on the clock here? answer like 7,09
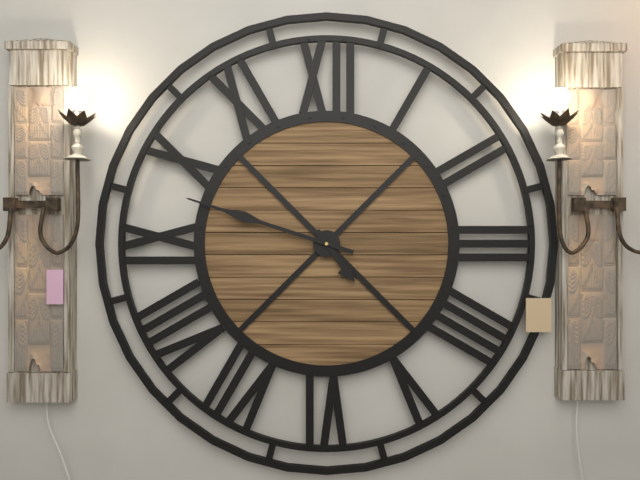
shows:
4,48
